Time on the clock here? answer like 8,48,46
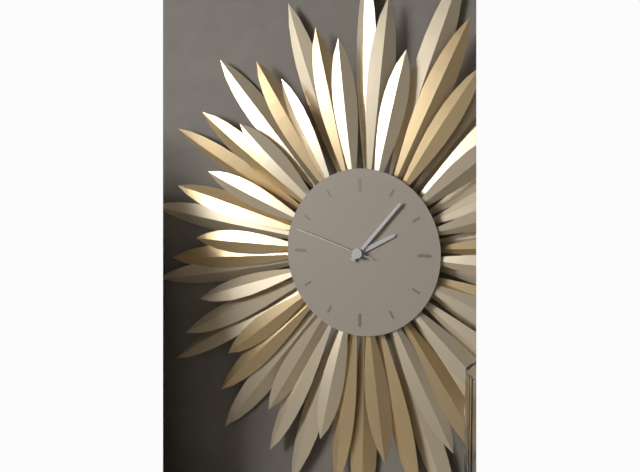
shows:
2,07,48
